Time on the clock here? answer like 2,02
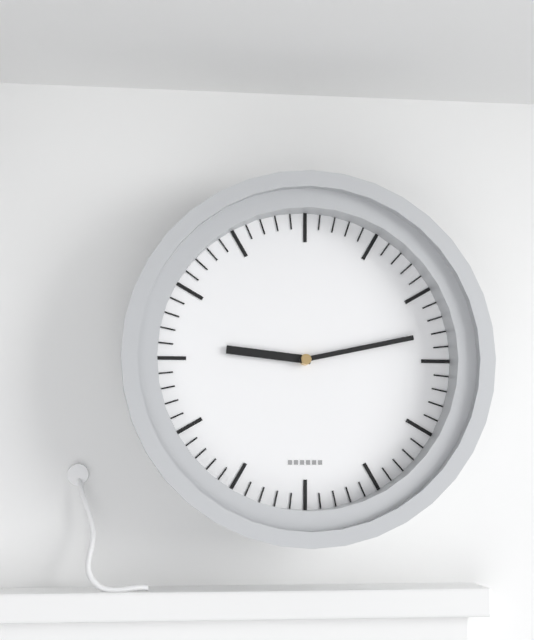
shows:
9,13
